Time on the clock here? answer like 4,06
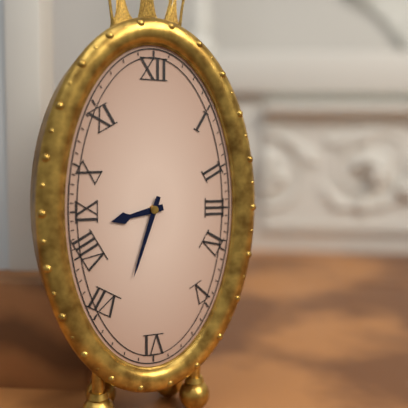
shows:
8,33
